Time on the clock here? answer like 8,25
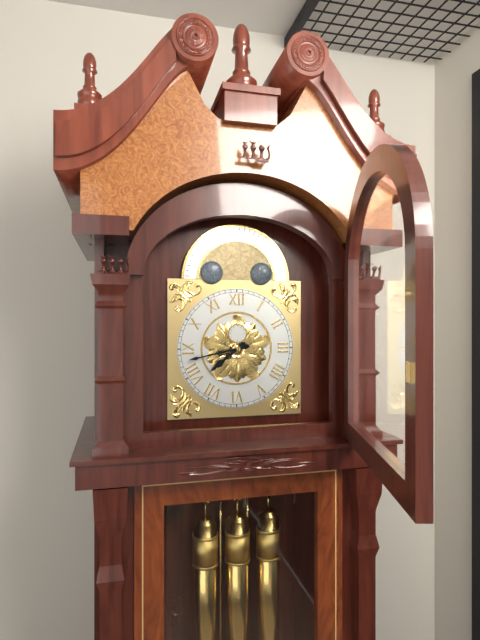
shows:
7,43
